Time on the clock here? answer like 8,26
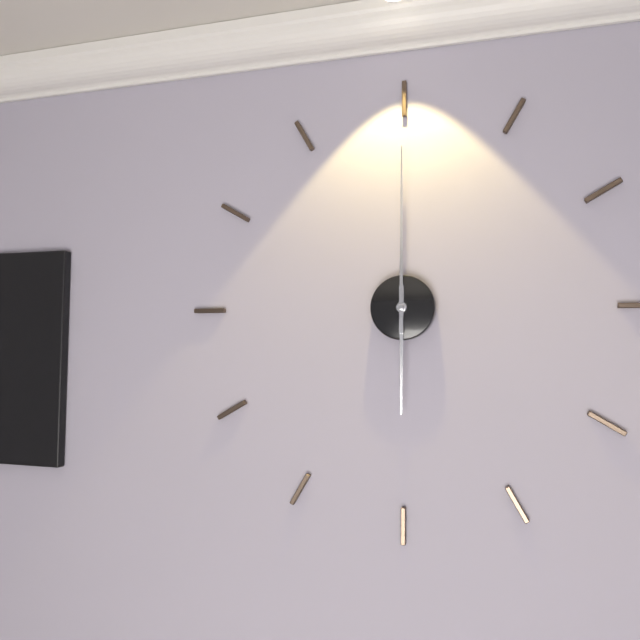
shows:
6,00
